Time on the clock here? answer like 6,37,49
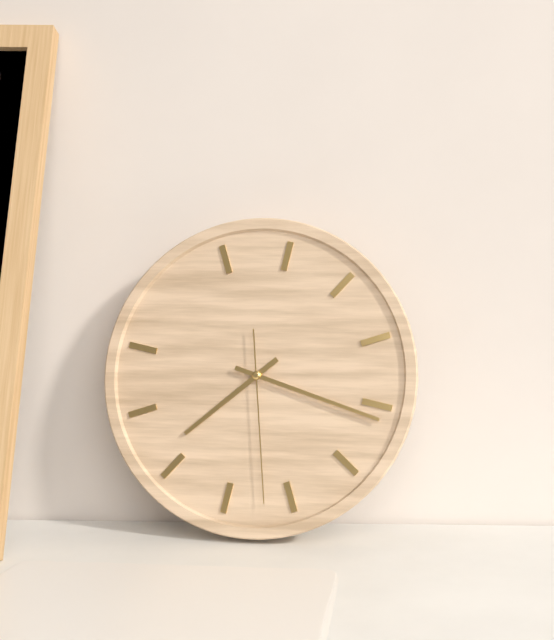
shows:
7,16,27
